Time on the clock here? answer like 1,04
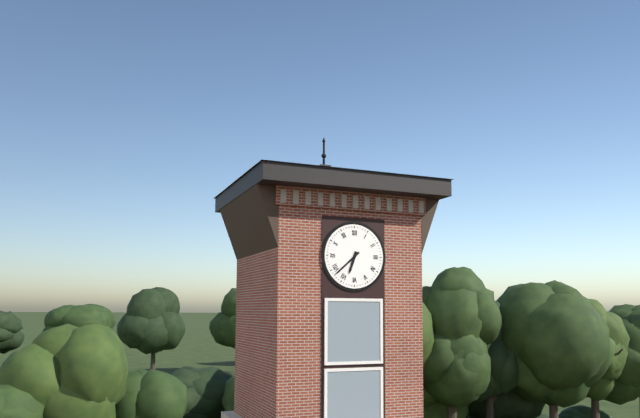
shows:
6,38
